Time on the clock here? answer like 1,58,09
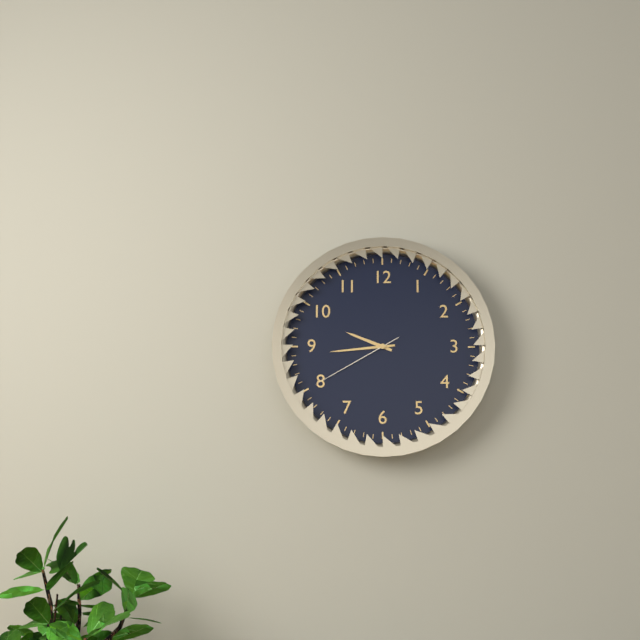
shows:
9,44,40
